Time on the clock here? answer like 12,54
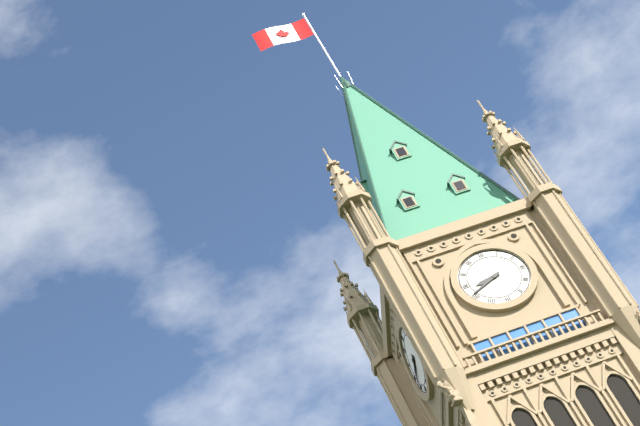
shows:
8,41
